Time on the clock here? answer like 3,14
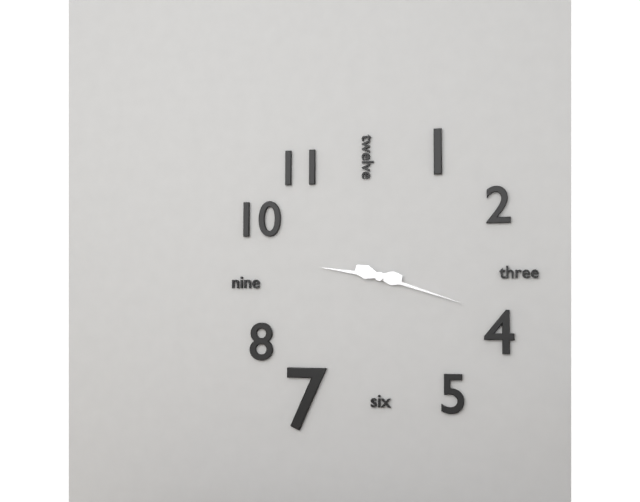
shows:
9,18
